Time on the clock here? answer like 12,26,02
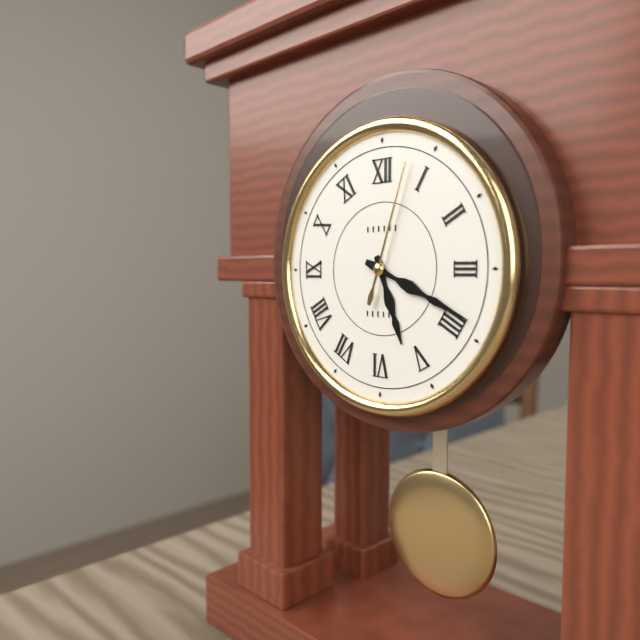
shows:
5,19,03
